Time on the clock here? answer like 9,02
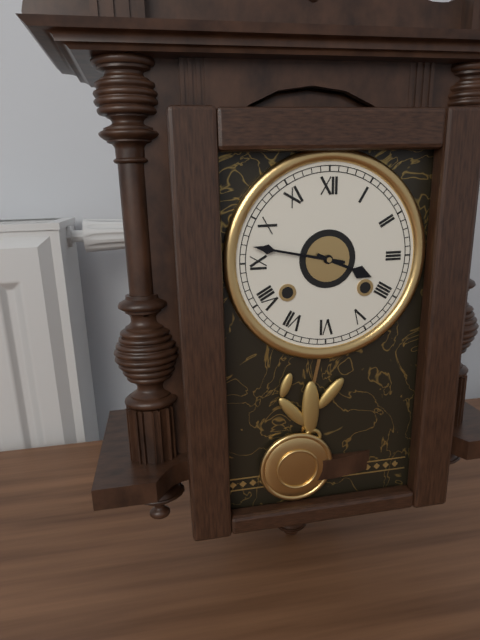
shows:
3,47
